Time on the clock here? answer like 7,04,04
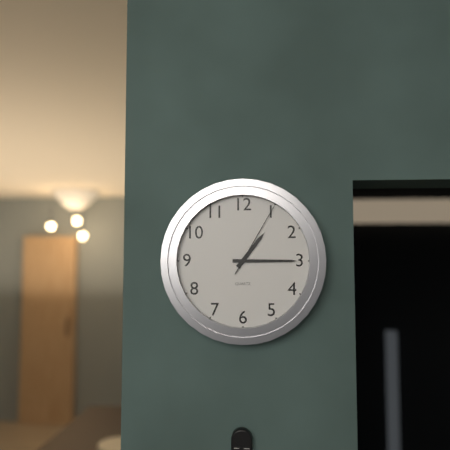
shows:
1,15,05
